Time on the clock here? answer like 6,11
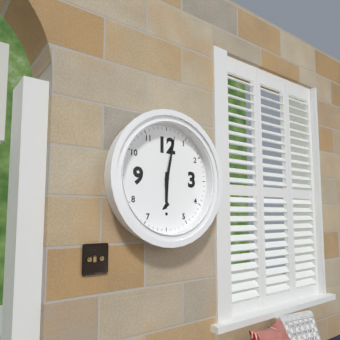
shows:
6,02
